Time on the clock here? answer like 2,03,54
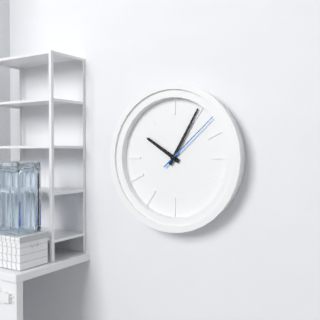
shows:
10,05,08
